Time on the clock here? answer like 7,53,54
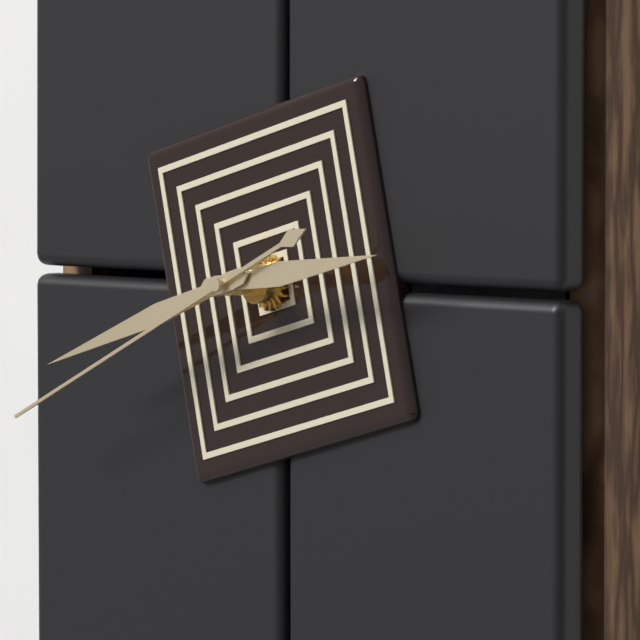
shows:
2,42,41
